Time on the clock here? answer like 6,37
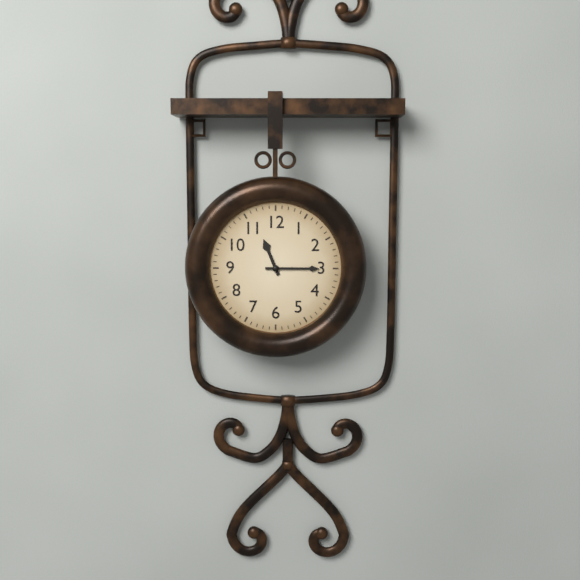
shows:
11,15
